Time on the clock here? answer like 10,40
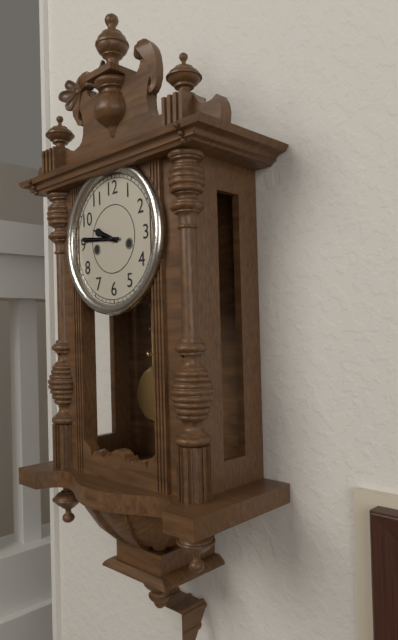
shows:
9,46
